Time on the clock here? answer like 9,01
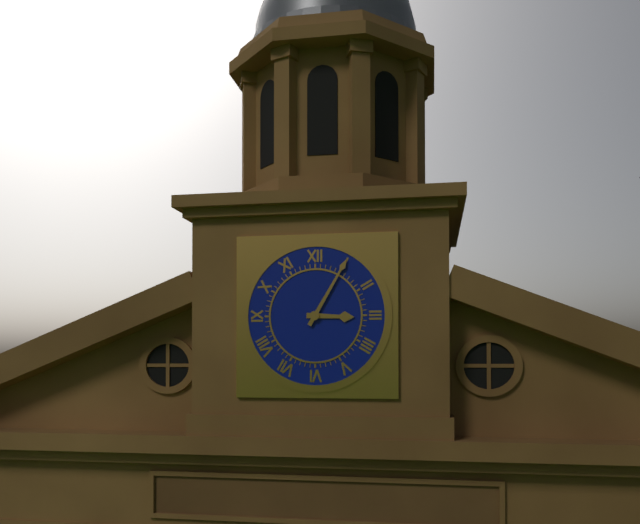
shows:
3,05
